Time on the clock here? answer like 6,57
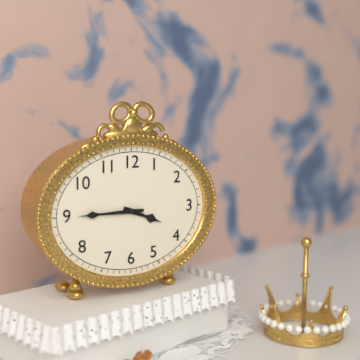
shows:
3,45
